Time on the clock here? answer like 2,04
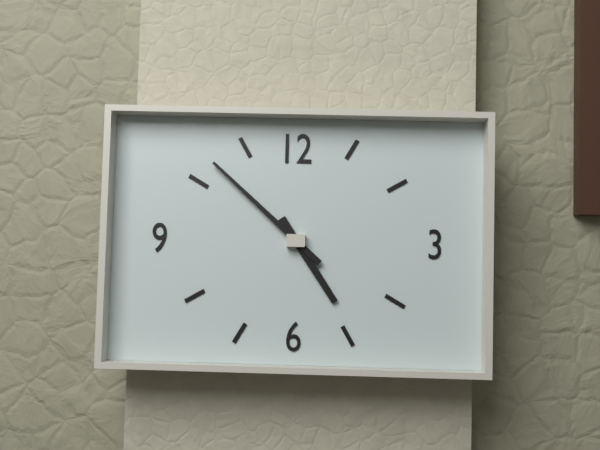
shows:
4,52
